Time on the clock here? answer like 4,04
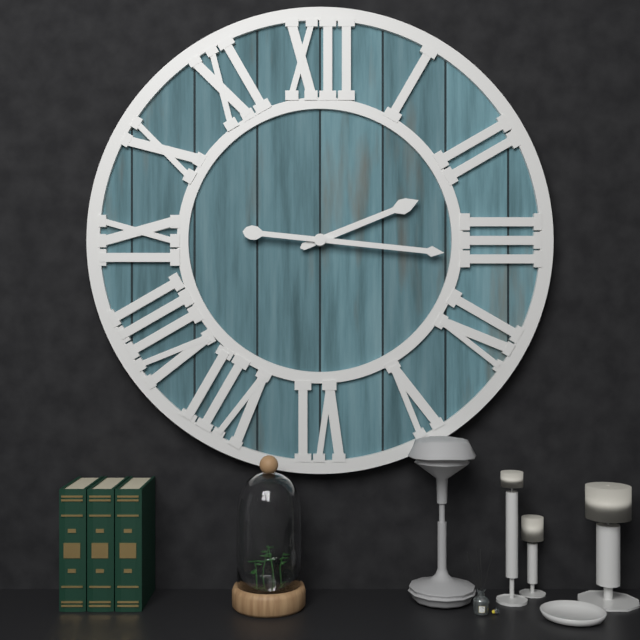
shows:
2,16
